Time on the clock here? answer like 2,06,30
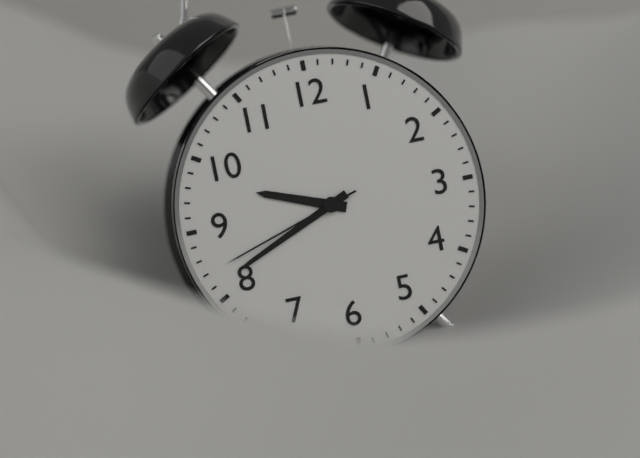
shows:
9,41,42
